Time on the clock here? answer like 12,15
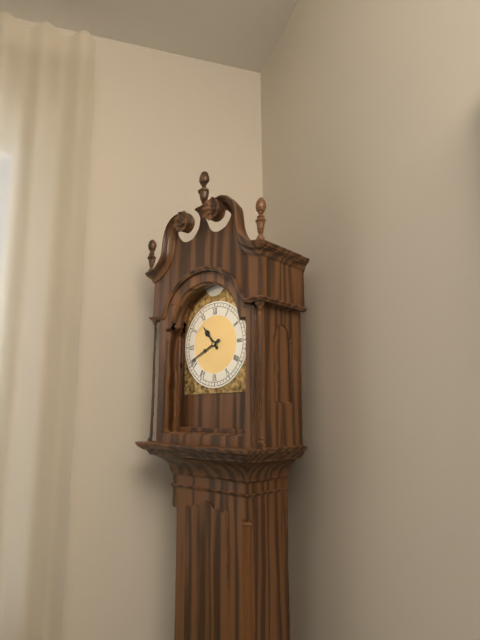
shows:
10,41
